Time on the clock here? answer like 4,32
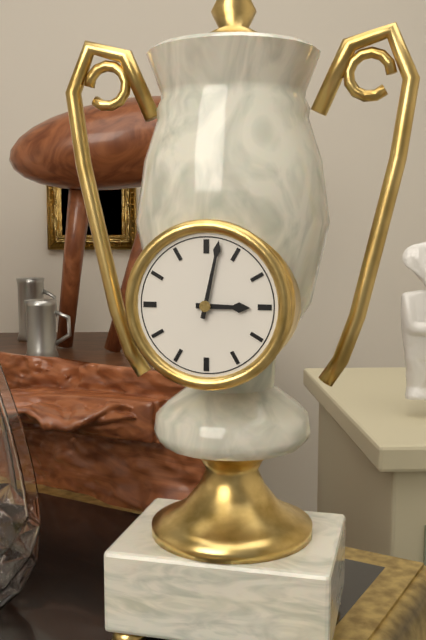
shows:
3,02
